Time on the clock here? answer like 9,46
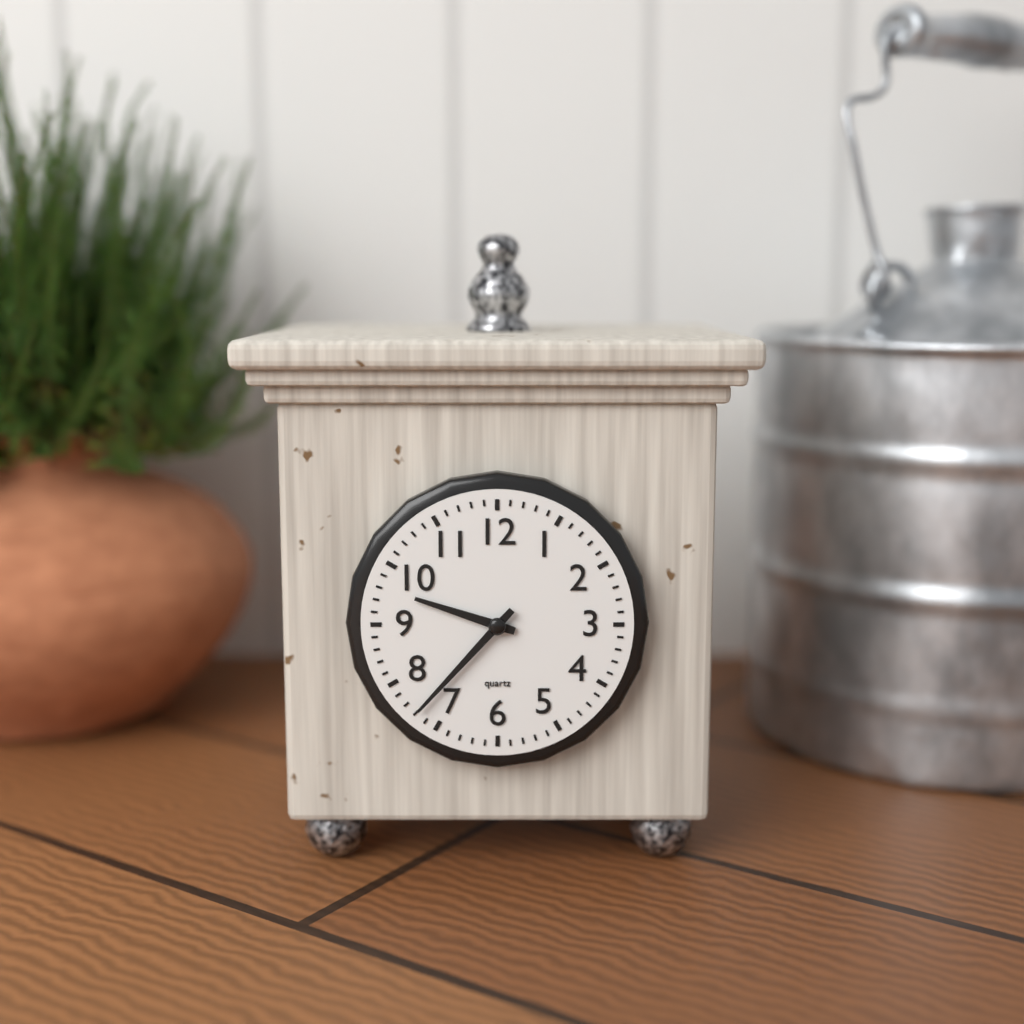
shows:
9,37
